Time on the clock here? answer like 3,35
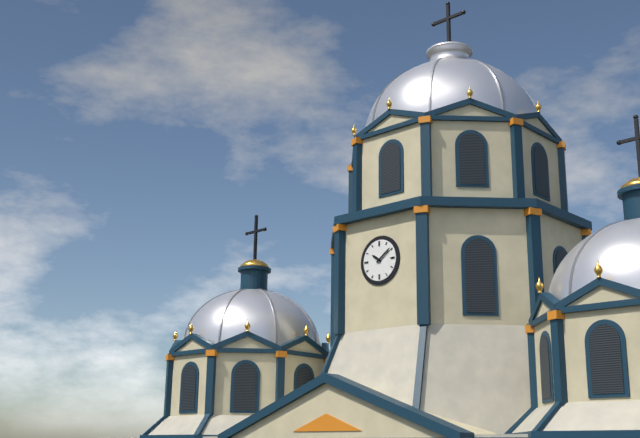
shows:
10,09
